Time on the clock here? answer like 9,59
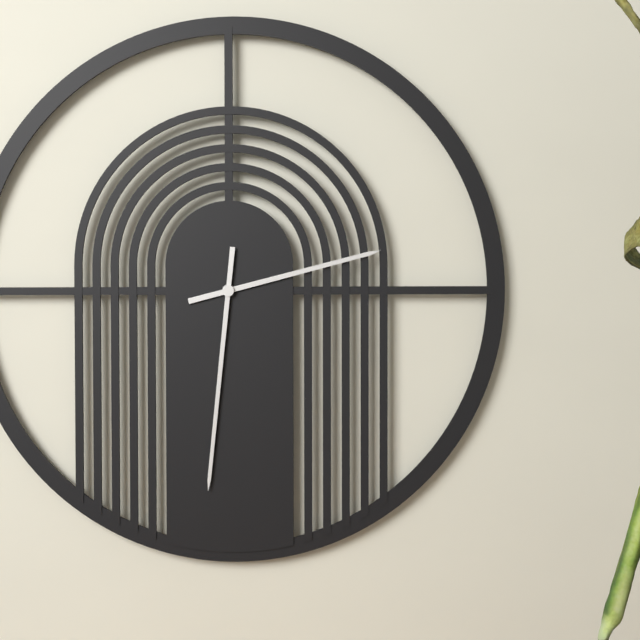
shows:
2,31
